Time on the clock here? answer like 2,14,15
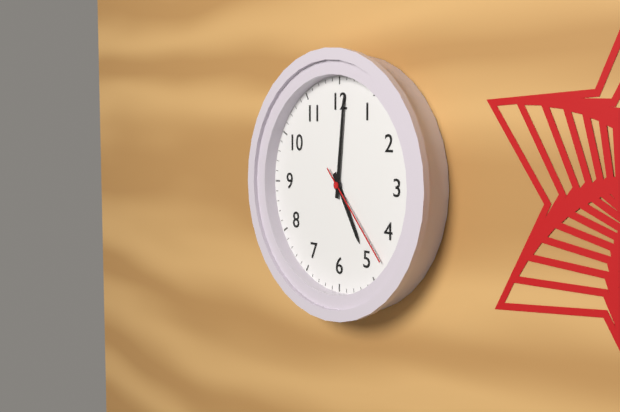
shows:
5,01,23
